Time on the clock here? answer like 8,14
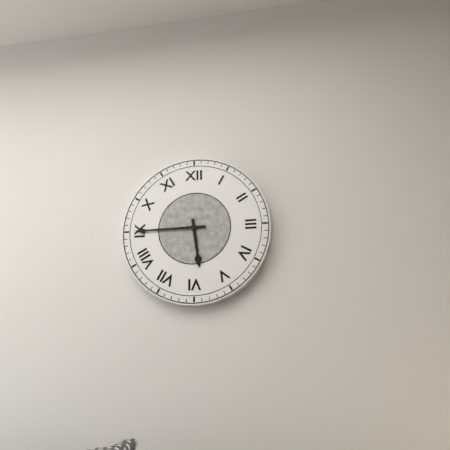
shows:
5,45
